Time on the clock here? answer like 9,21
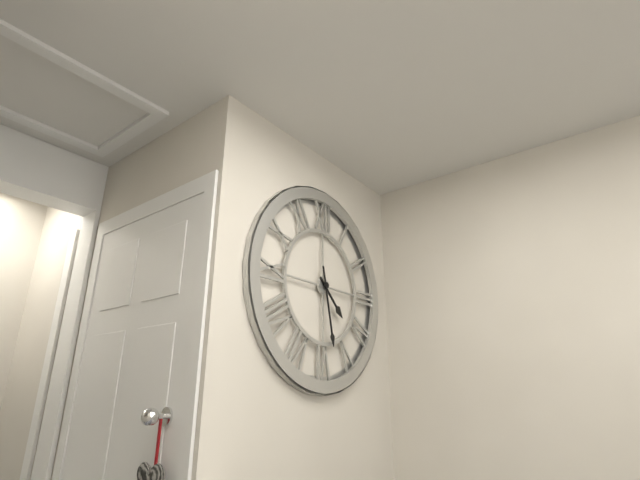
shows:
4,28
